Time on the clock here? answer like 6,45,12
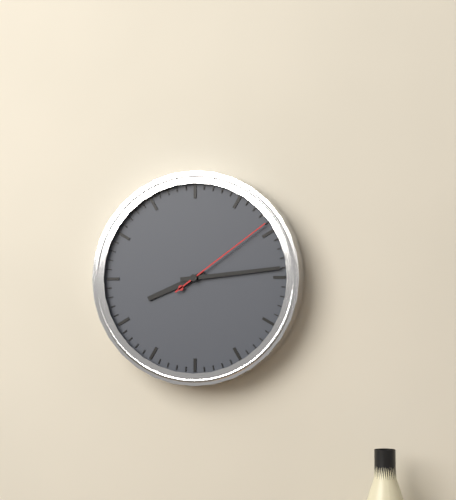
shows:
8,14,09
